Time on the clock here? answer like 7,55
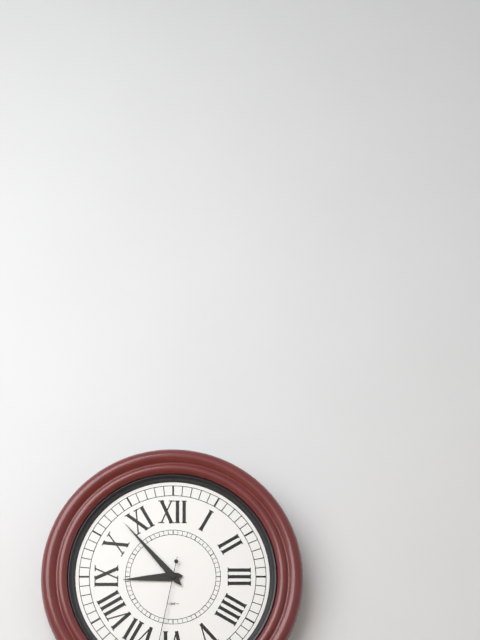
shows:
8,53
